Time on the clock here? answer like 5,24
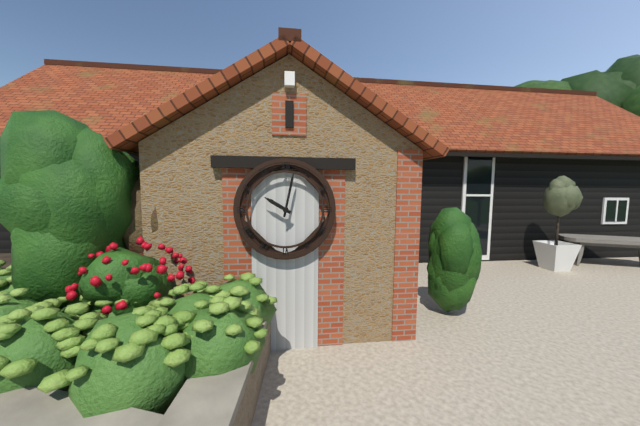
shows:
10,02
